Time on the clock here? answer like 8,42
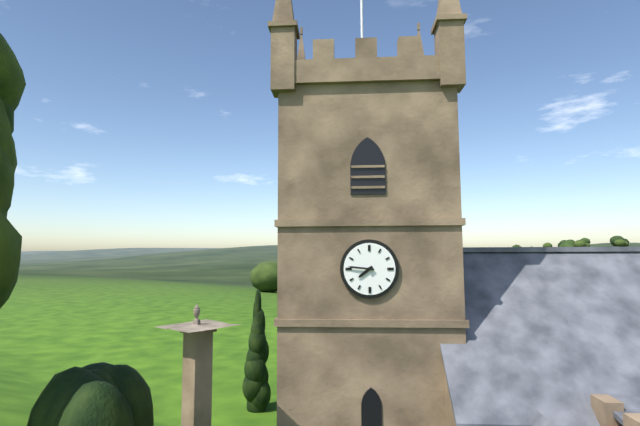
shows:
7,46
